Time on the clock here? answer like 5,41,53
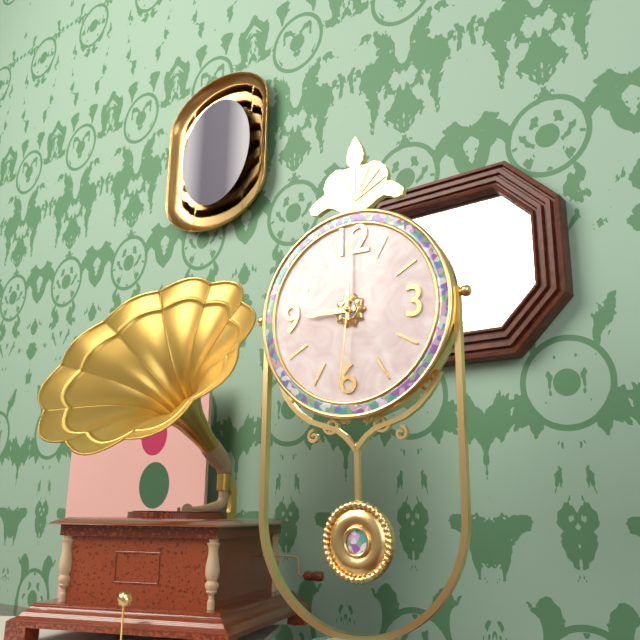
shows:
9,00,31
